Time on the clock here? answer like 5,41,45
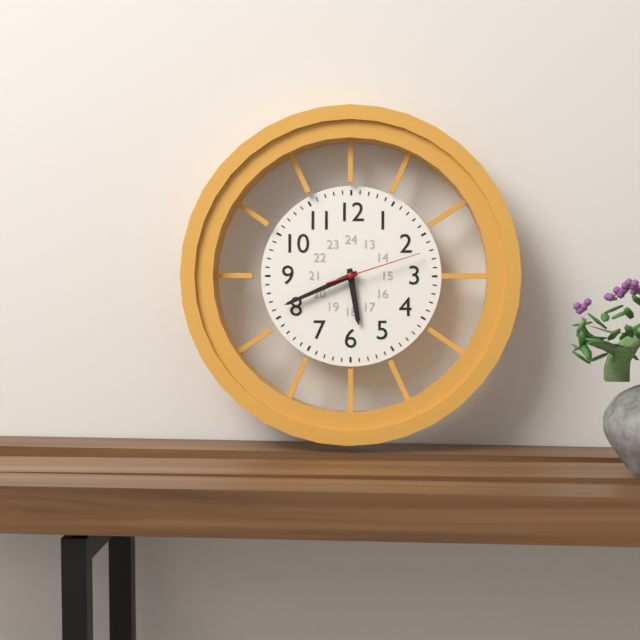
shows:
5,41,12
